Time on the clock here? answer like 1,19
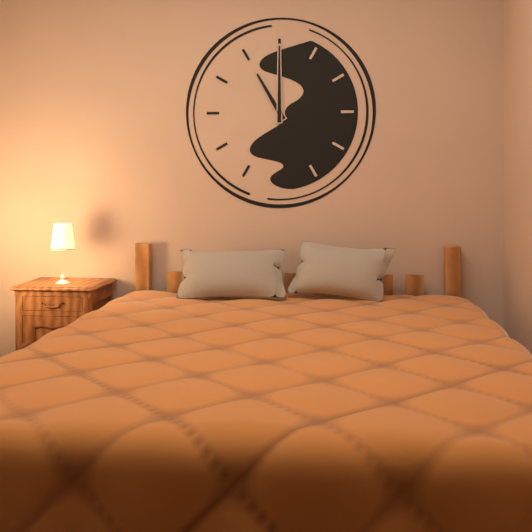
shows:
11,00
